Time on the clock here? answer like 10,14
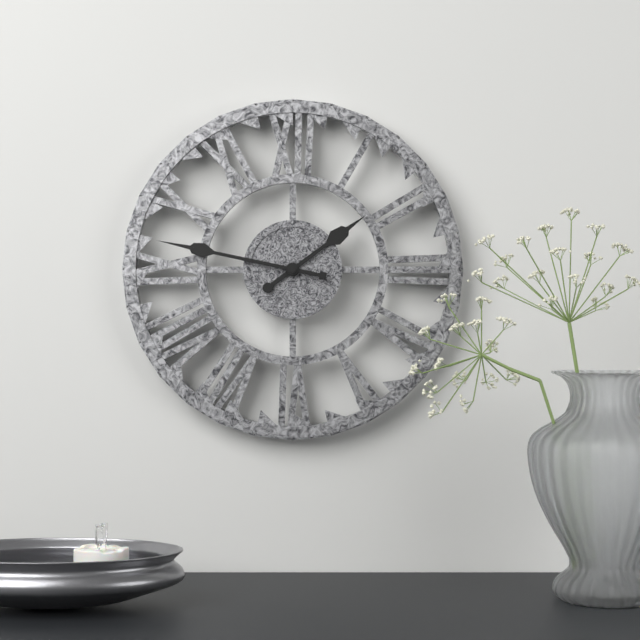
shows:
1,47
